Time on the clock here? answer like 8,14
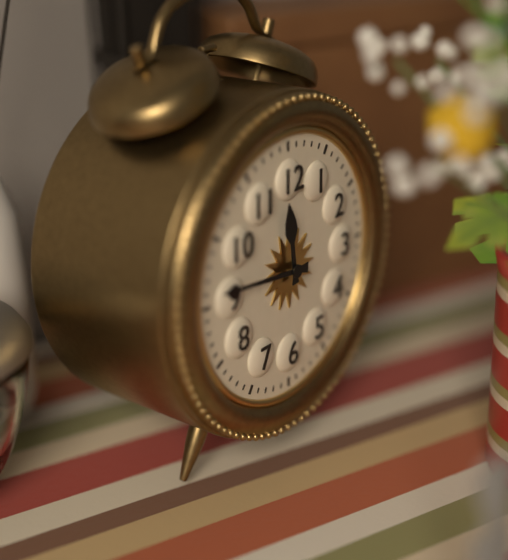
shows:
11,46
